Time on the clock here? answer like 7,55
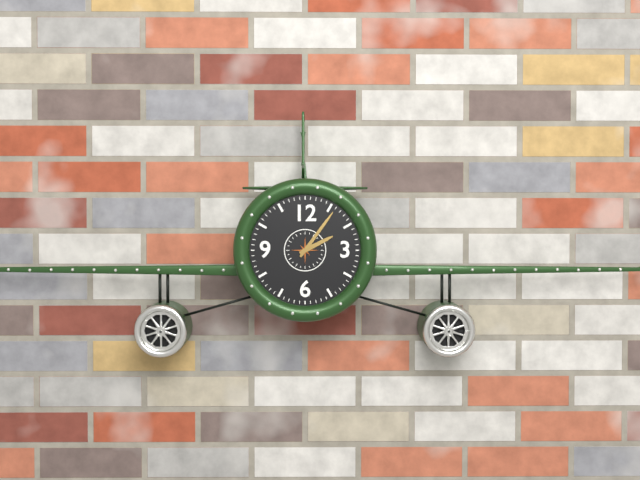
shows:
2,06
